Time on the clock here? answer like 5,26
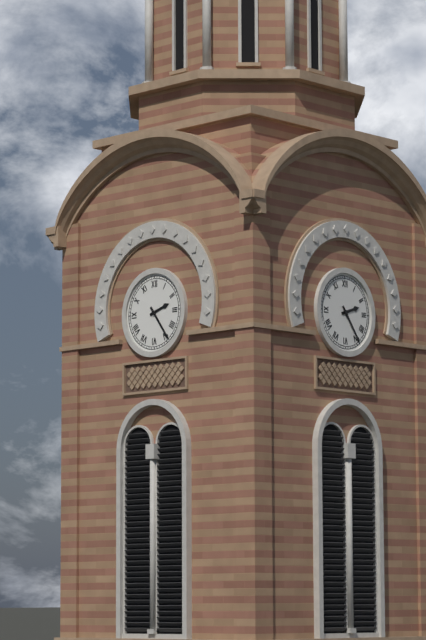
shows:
2,24
